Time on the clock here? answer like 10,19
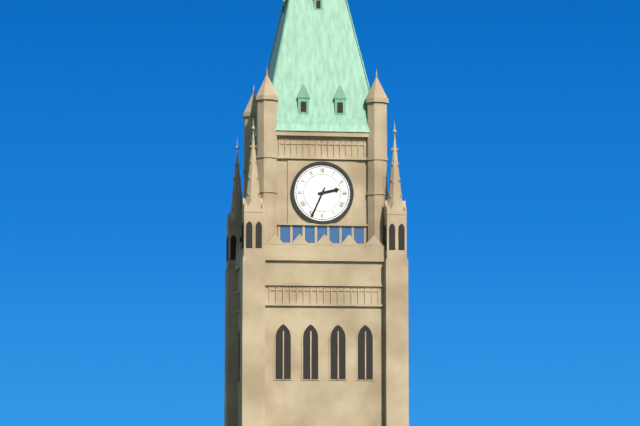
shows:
2,34
